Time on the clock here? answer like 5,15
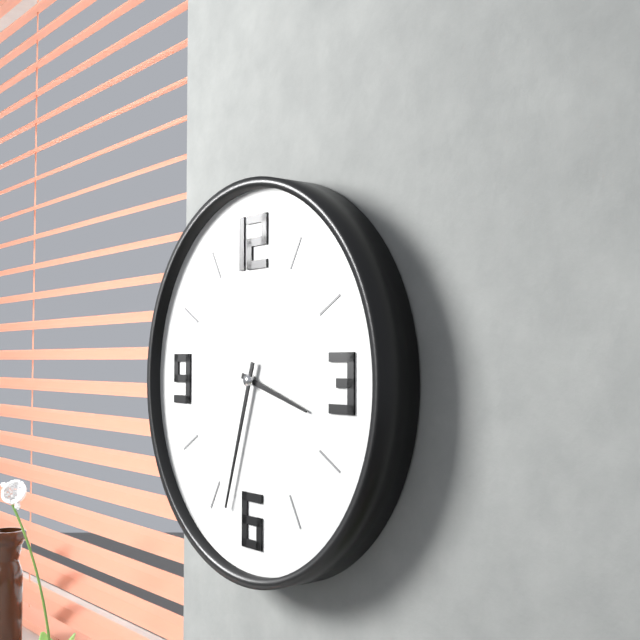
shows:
3,33
